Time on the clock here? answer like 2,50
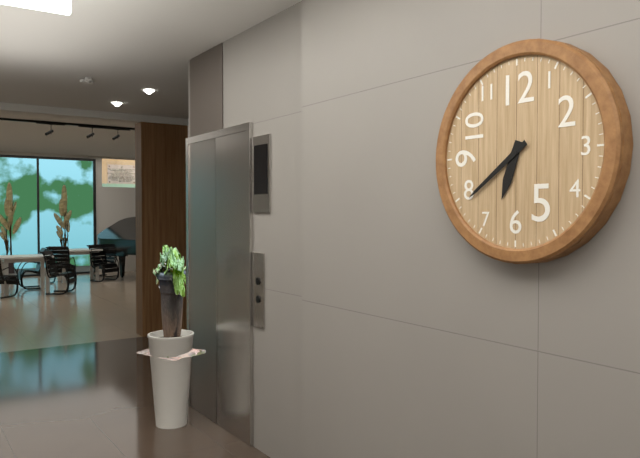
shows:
6,39
